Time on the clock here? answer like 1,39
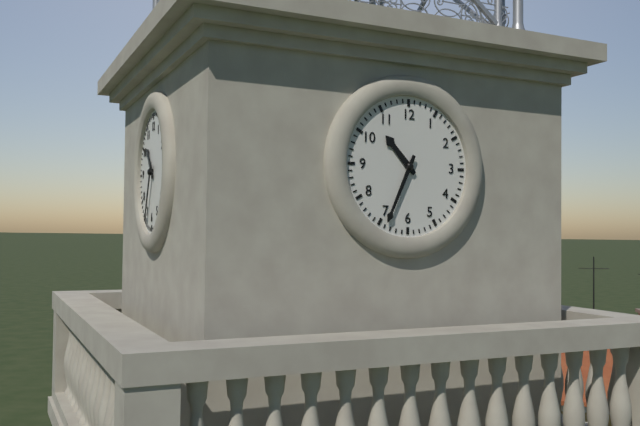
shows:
10,34
